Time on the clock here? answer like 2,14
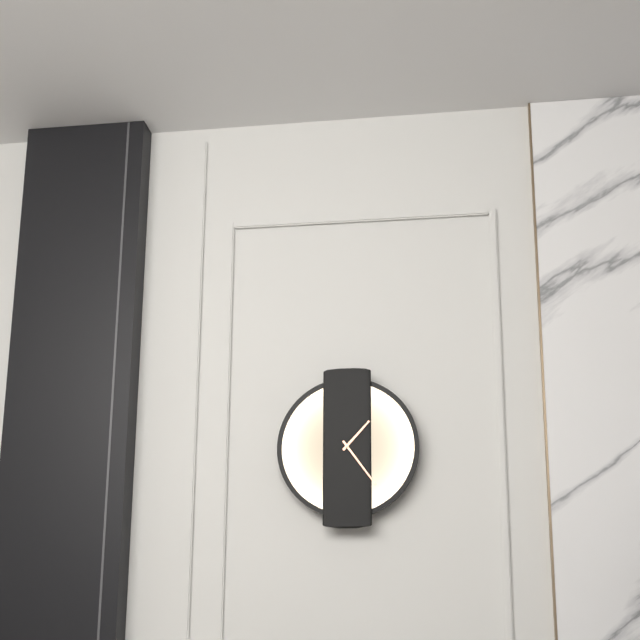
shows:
1,24
